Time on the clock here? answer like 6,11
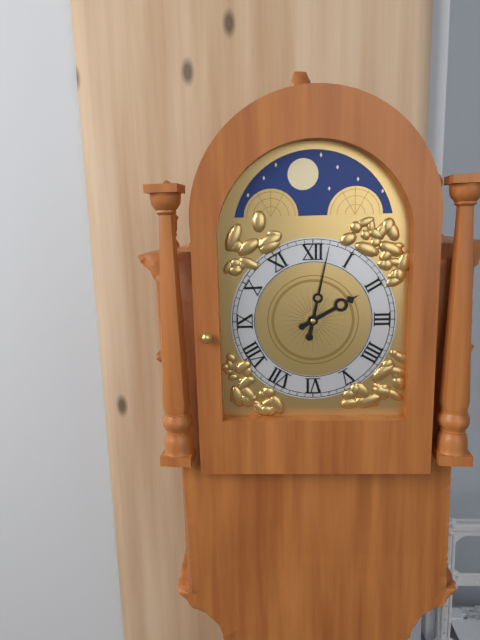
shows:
2,02
